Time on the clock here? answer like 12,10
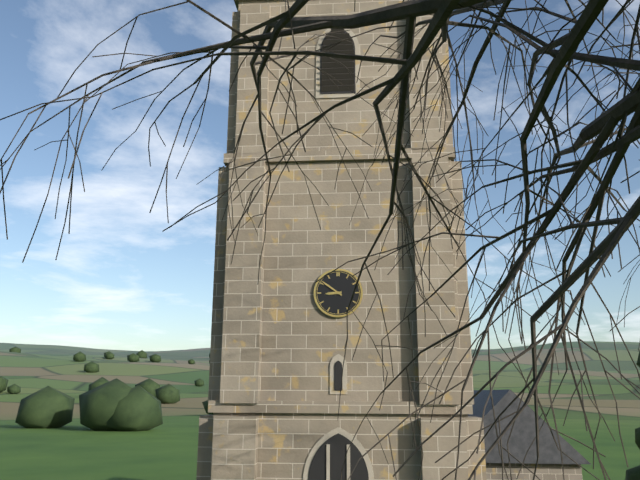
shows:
8,51
